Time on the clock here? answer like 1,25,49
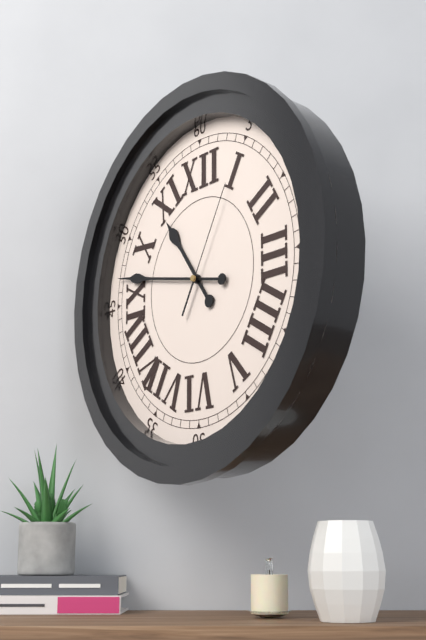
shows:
10,47,05
